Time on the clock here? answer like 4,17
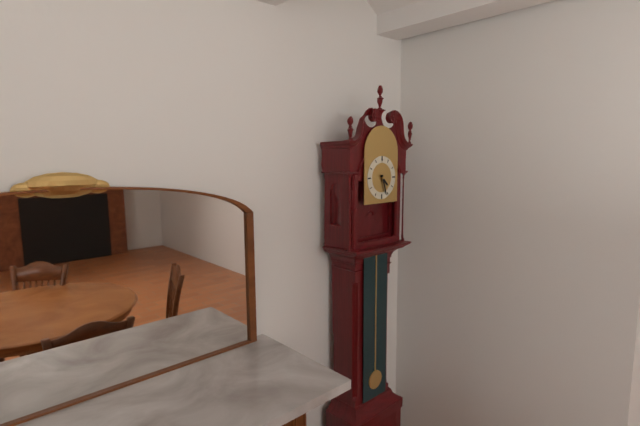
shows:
4,27
